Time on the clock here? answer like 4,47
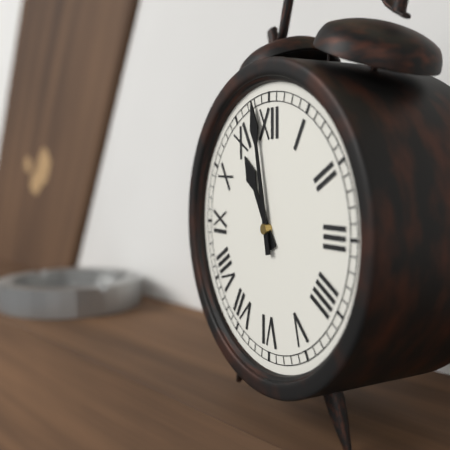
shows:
10,58
